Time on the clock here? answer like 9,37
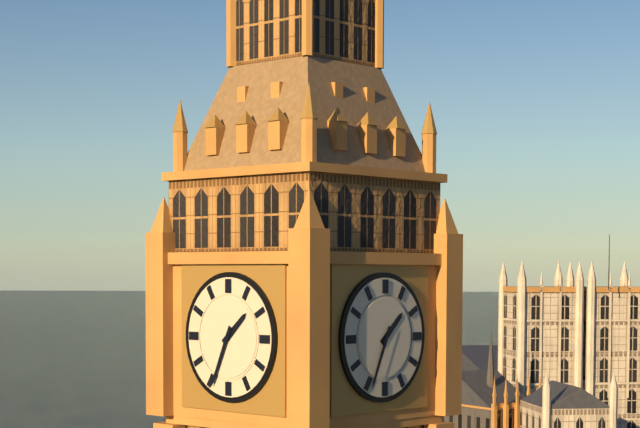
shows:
1,34
